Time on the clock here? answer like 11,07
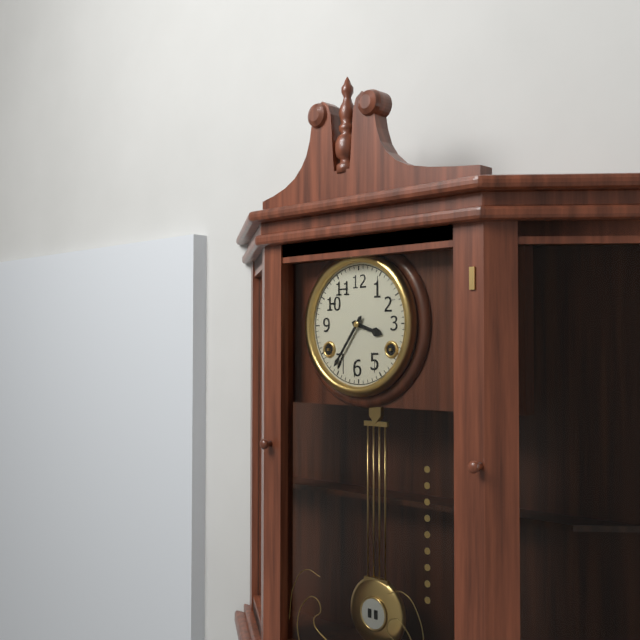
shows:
3,36
